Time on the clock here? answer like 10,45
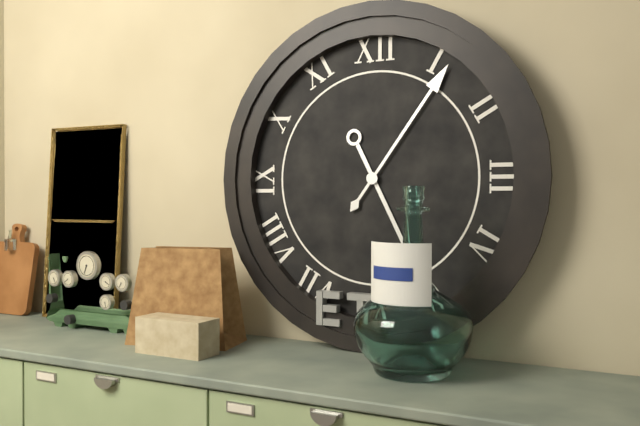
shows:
5,06
